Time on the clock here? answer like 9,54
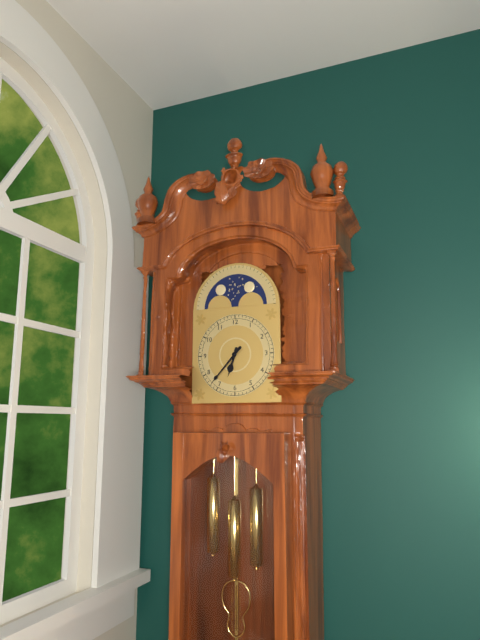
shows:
6,37
